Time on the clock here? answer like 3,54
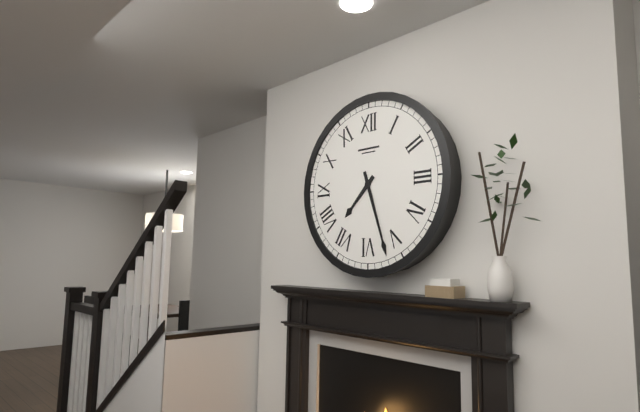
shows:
7,27
